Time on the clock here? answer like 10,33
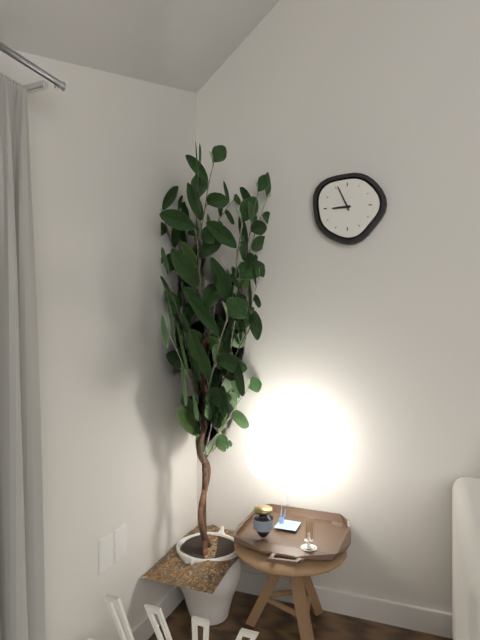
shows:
8,56
